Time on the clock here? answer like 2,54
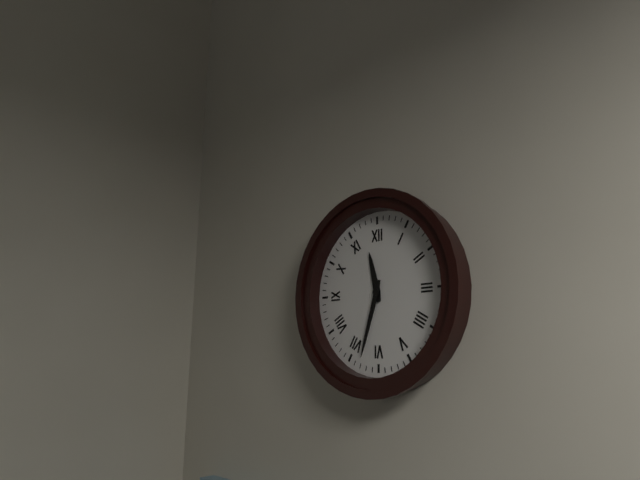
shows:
11,33
